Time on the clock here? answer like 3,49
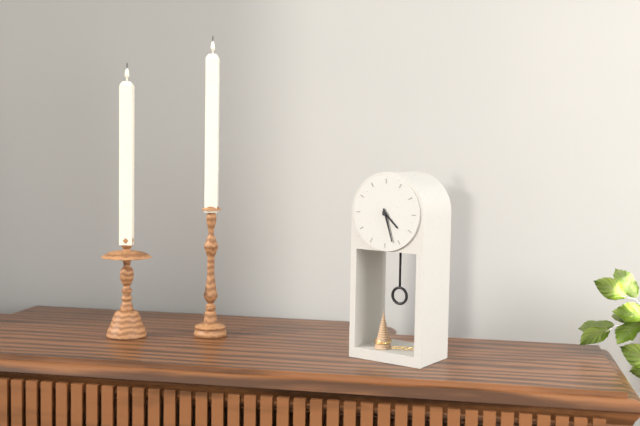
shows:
4,27
